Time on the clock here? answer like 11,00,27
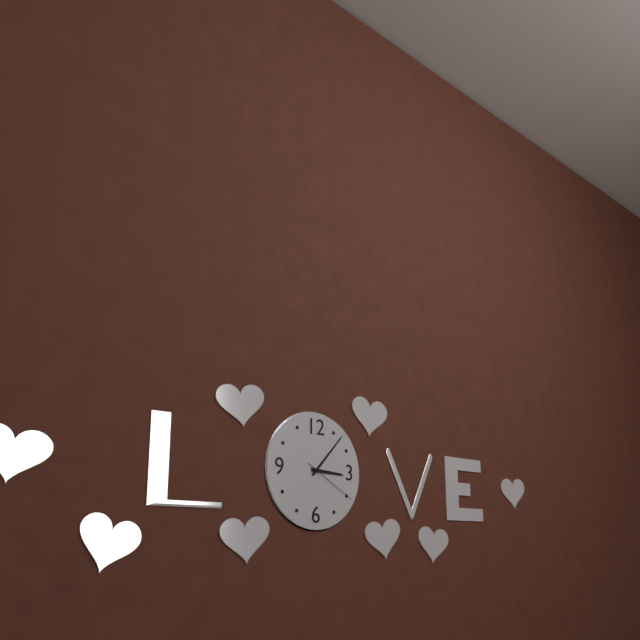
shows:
3,07,20
